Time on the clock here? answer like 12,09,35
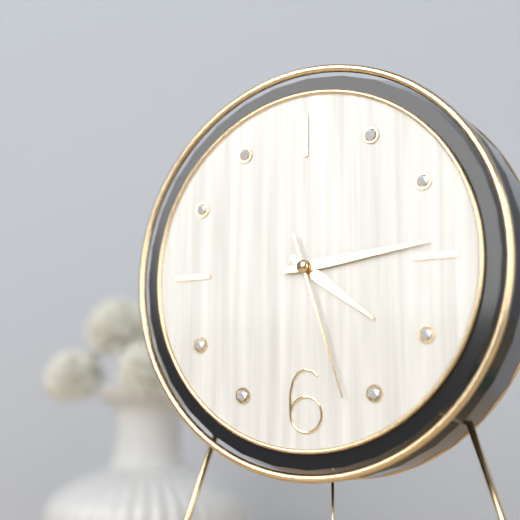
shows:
4,14,27
